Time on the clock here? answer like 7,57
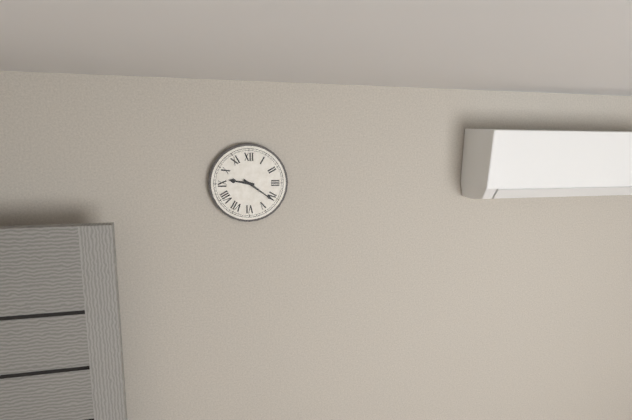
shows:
9,21
